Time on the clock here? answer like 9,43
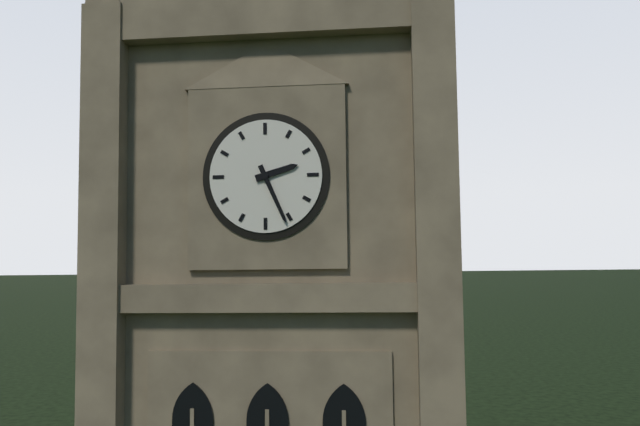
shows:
2,26
